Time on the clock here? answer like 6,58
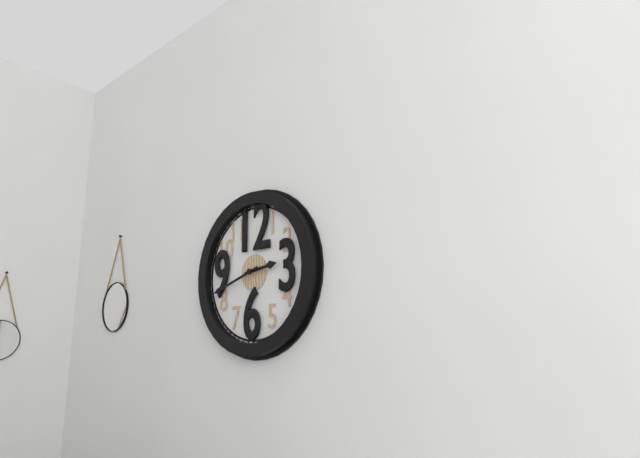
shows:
2,42
